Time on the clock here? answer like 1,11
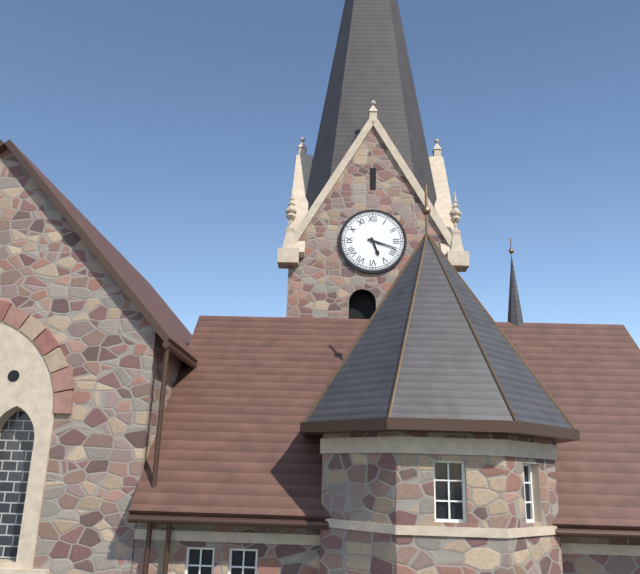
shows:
5,18
